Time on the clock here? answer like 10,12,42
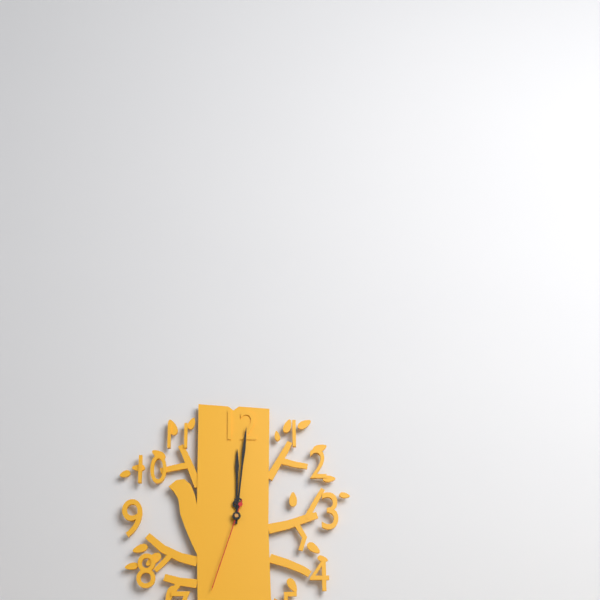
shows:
12,01,33
